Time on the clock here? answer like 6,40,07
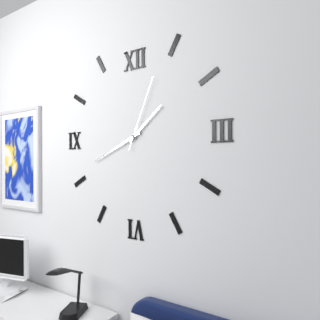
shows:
1,41,04
